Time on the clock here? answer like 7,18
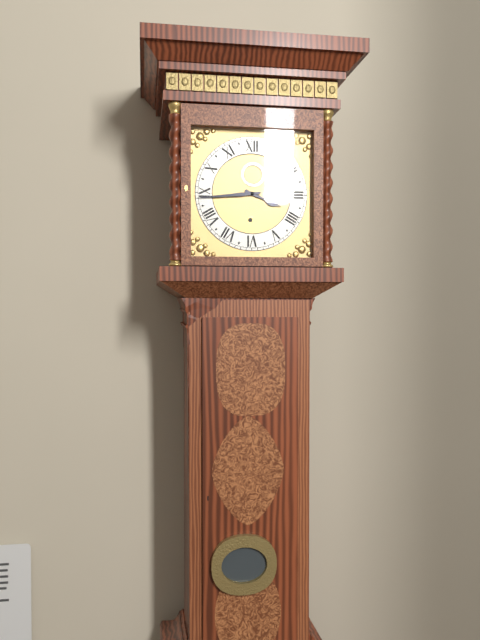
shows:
3,44
